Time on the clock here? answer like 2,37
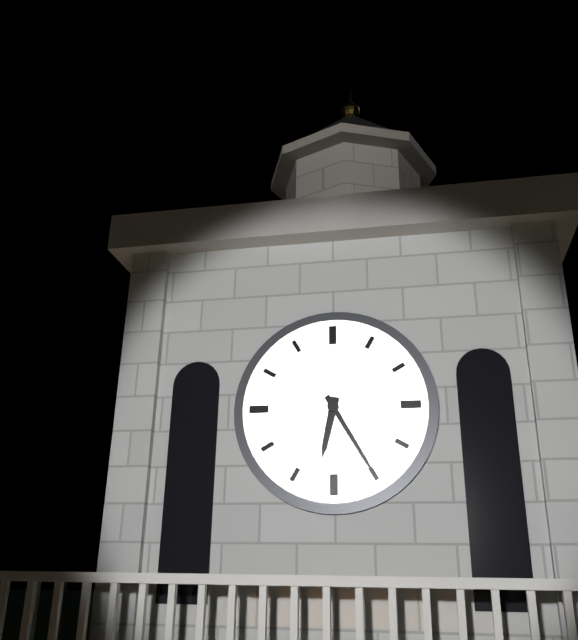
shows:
6,25
